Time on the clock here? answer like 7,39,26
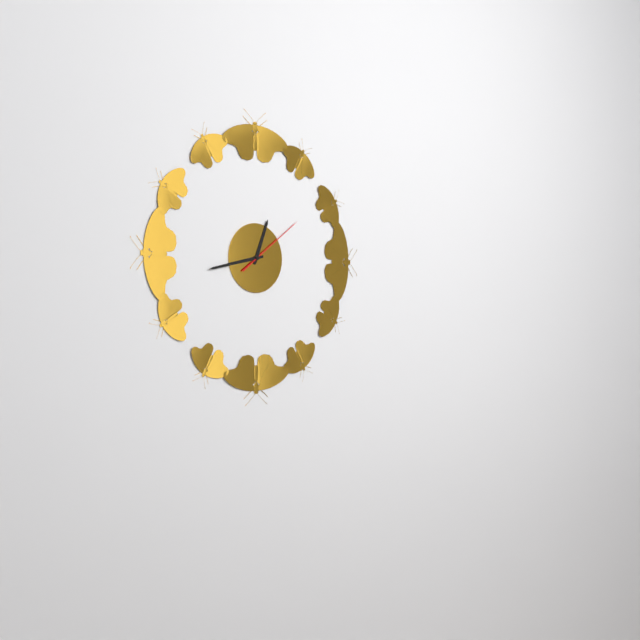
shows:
12,43,09
